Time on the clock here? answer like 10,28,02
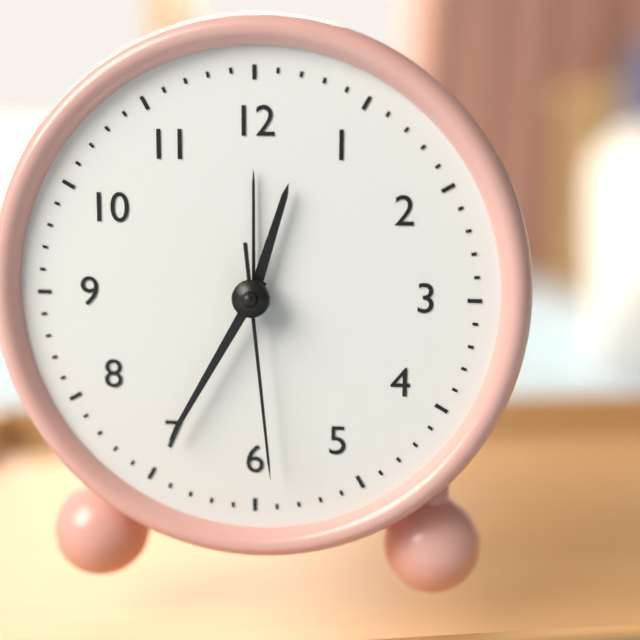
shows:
12,35,29
